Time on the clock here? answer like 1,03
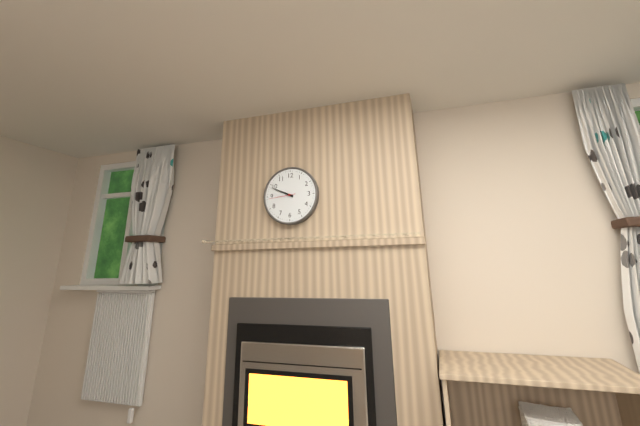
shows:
9,49
